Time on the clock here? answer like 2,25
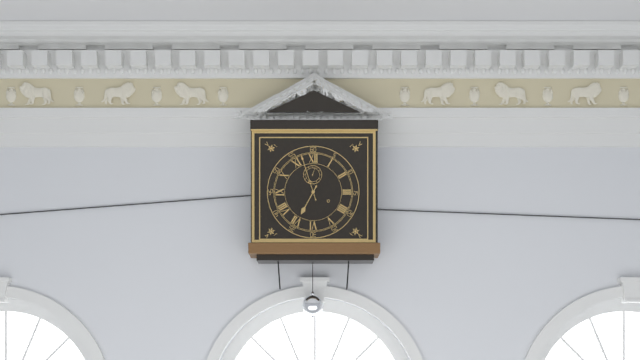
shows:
6,57
